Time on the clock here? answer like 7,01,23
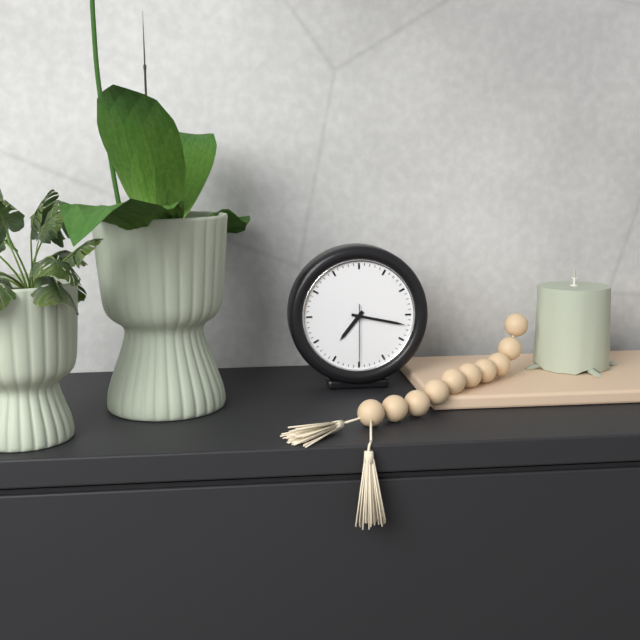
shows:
7,17,30
